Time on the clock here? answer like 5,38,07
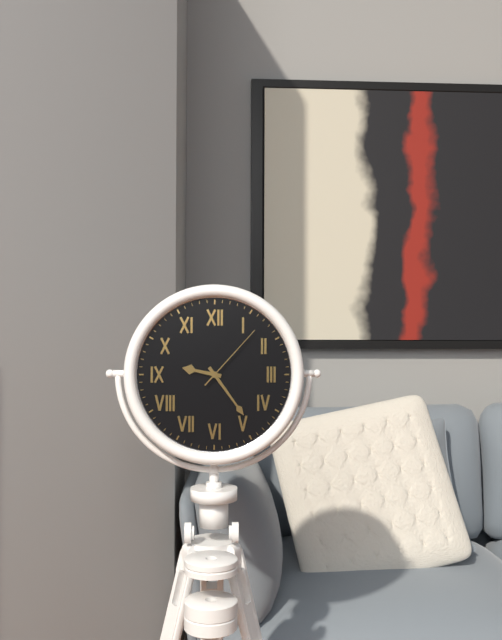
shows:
9,24,07
